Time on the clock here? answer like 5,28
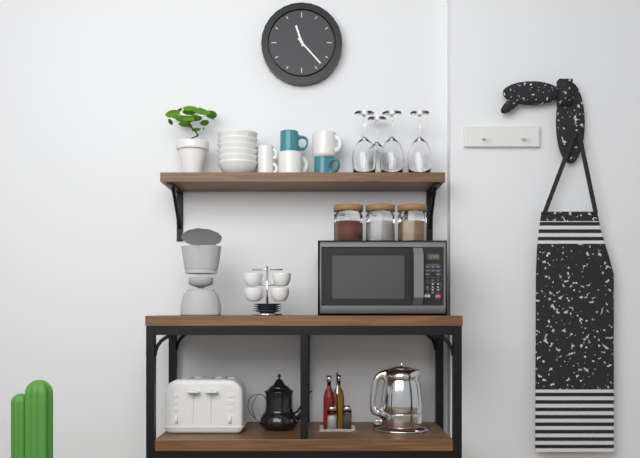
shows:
11,23
